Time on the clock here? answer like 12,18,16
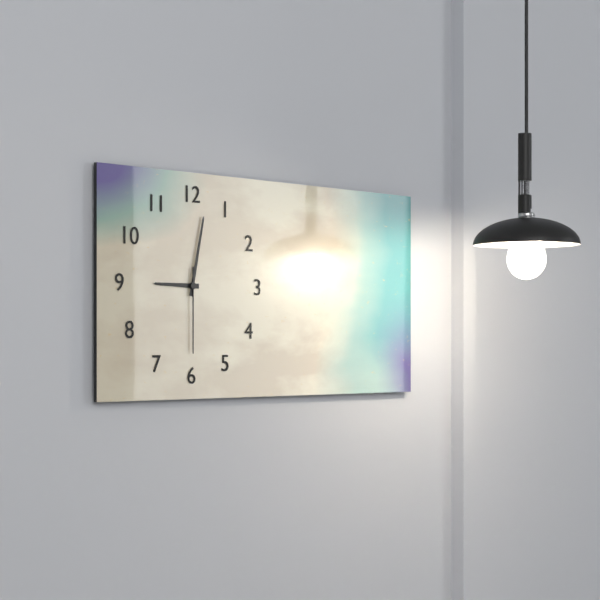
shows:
9,02,30
